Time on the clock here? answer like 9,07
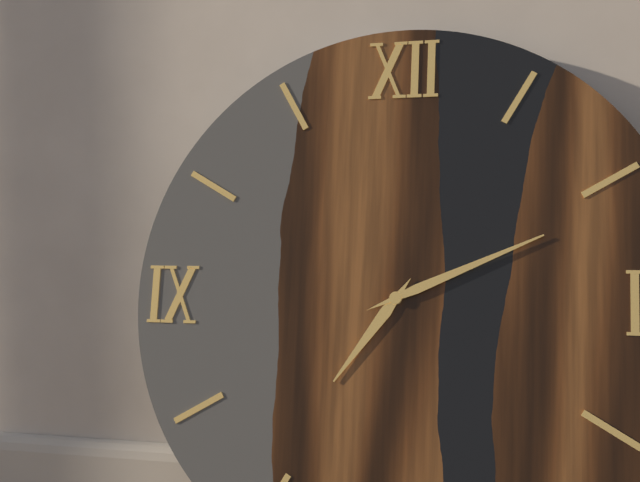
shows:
7,11
